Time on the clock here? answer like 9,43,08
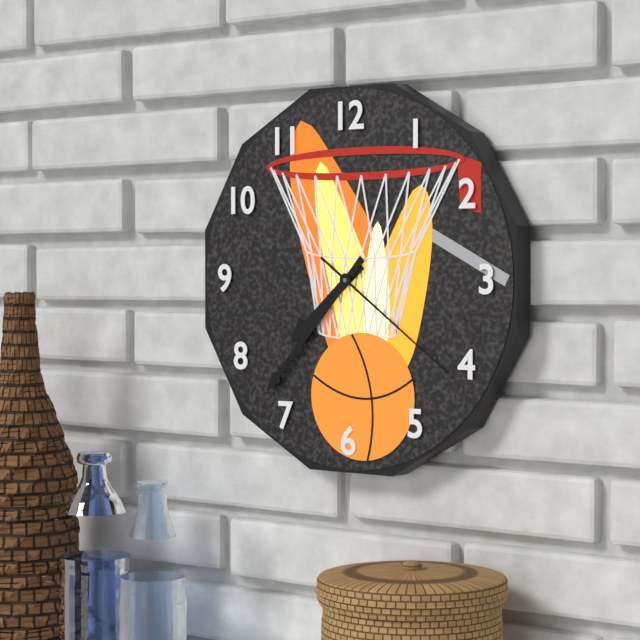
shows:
7,37,21
